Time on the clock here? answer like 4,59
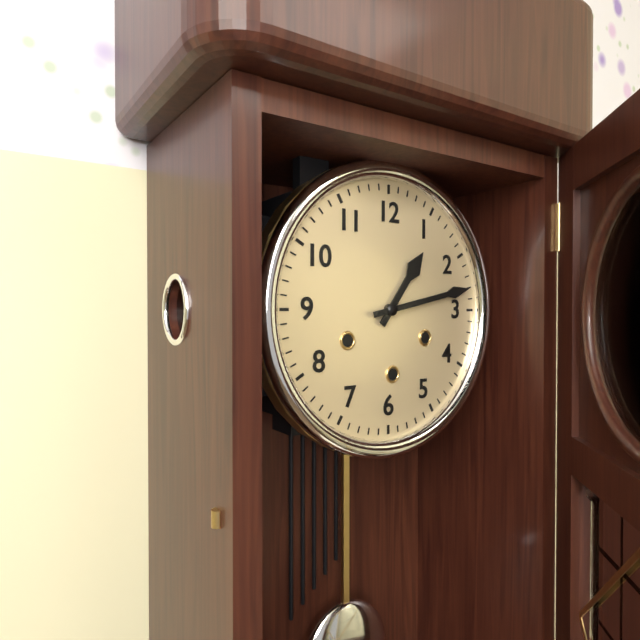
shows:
1,13
